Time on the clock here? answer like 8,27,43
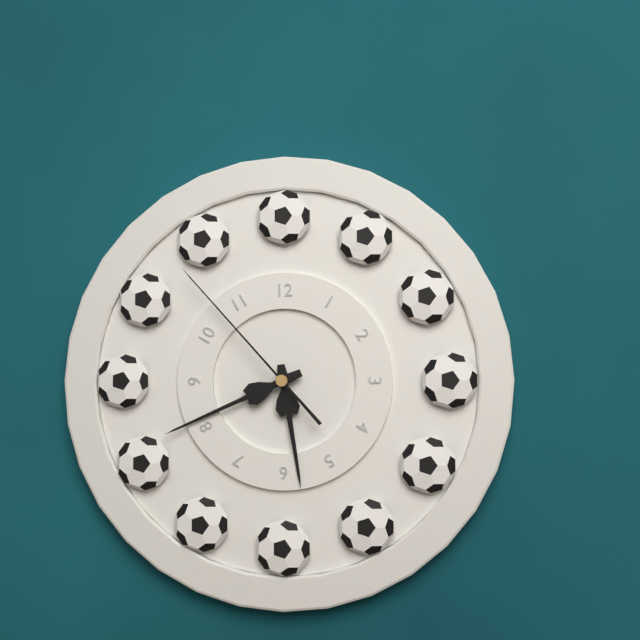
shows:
5,41,53
